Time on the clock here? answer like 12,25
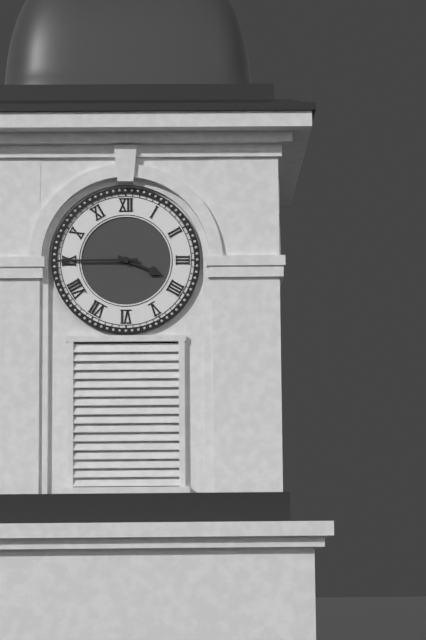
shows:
3,45
